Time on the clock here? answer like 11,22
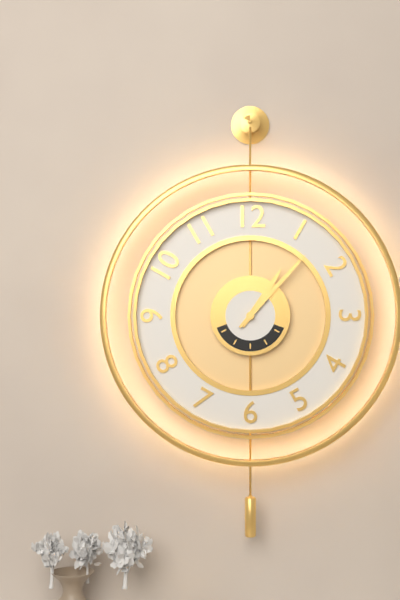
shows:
1,07
